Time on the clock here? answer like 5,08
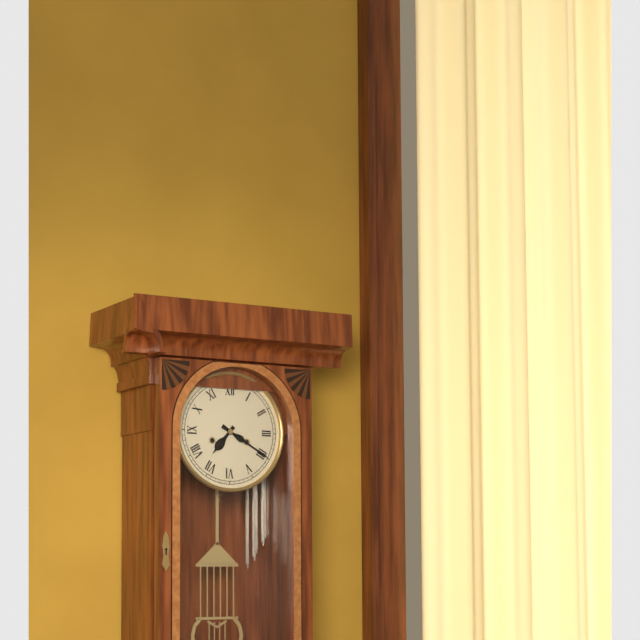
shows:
7,20
